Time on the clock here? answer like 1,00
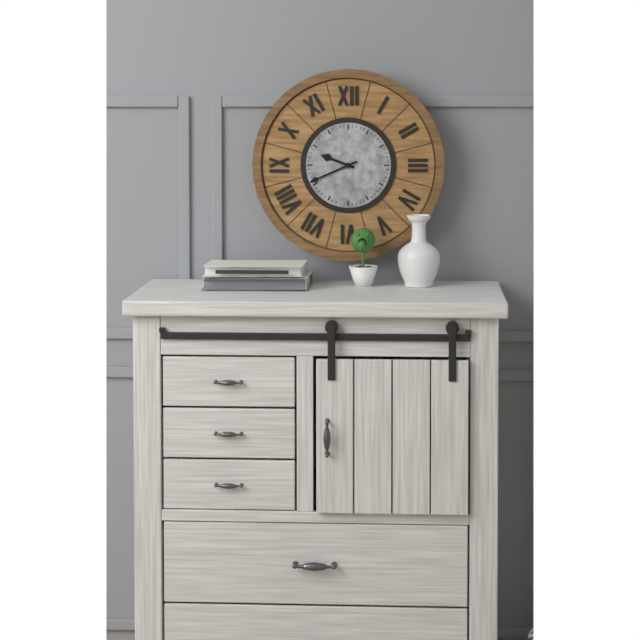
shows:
9,41
